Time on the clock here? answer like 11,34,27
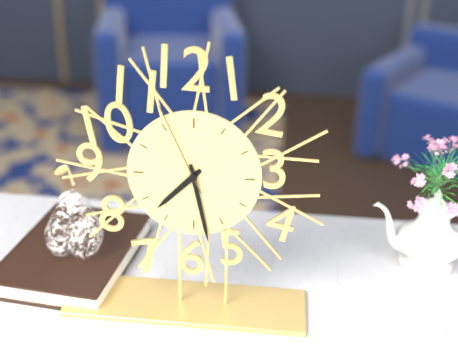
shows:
7,28,56
